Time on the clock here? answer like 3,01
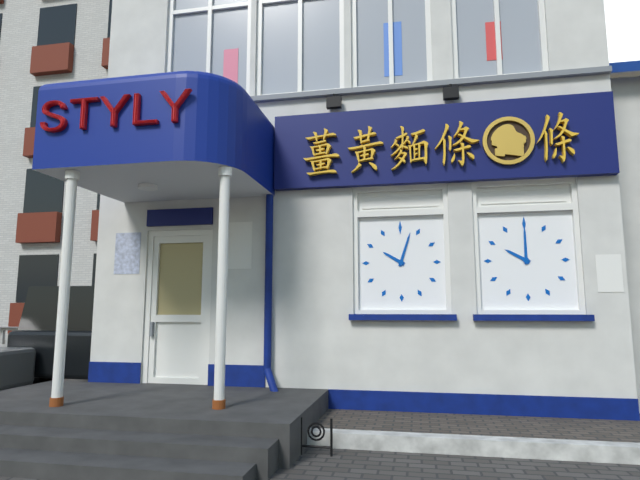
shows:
10,03
